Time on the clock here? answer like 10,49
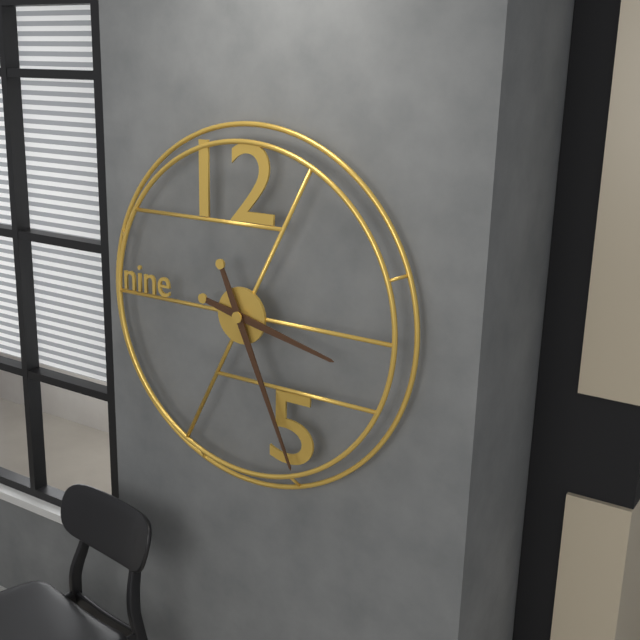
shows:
3,26
